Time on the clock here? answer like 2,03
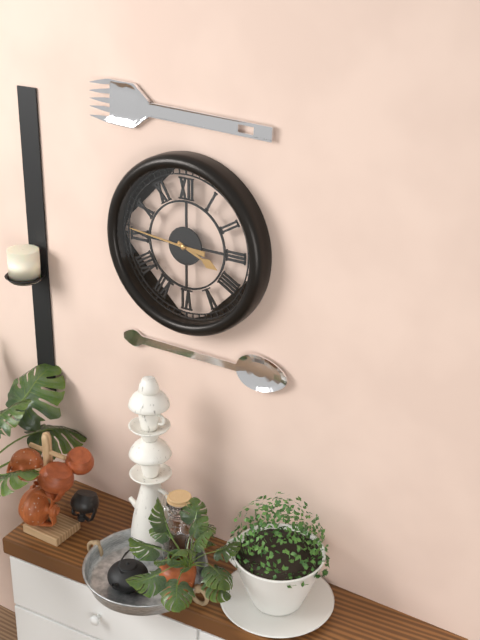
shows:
3,46
